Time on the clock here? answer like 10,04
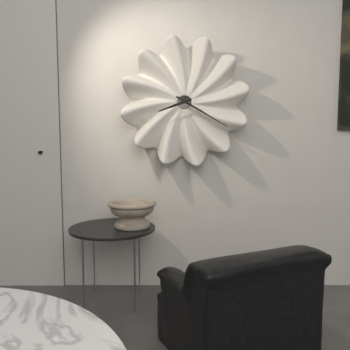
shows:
8,20
